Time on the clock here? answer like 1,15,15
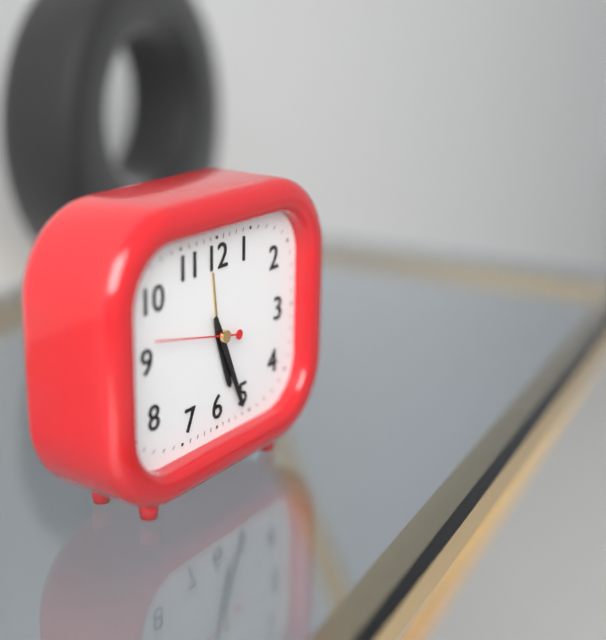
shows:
5,26,47
